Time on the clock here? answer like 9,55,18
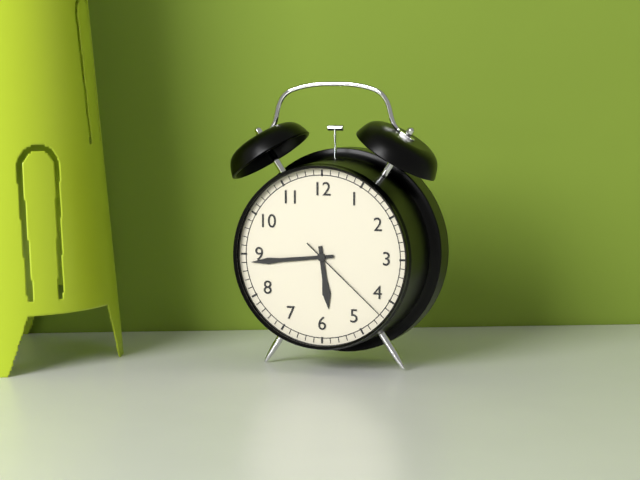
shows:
5,44,22
